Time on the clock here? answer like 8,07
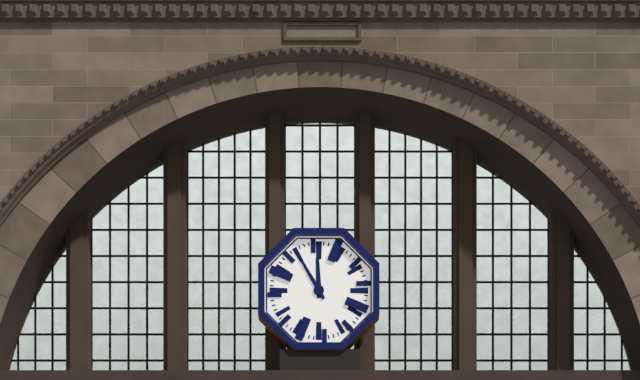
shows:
11,55
